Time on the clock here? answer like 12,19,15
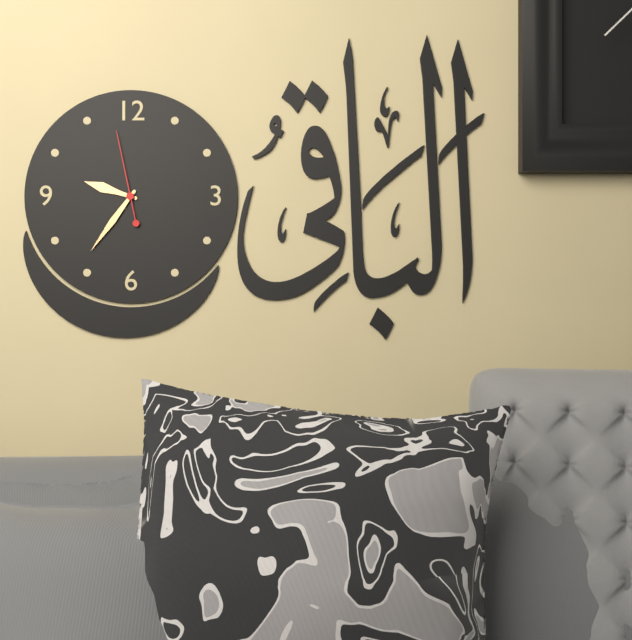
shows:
9,36,58
